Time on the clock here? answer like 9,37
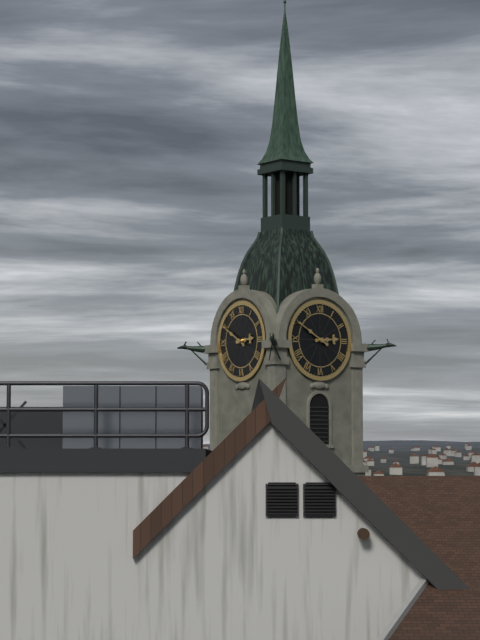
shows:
2,50
